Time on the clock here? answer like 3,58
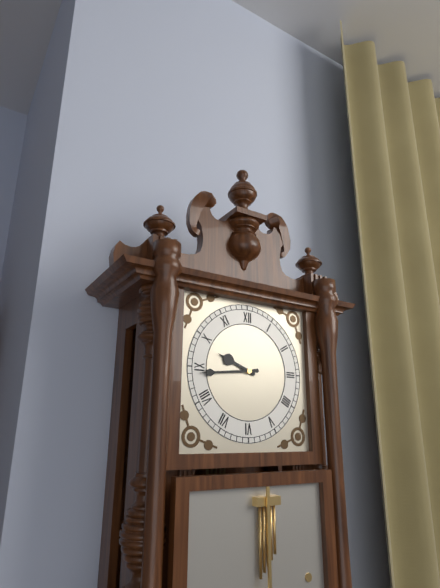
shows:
9,44
